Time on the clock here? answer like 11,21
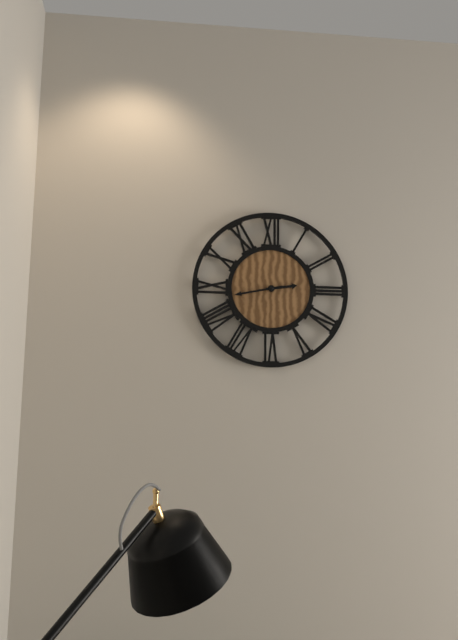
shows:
2,43
